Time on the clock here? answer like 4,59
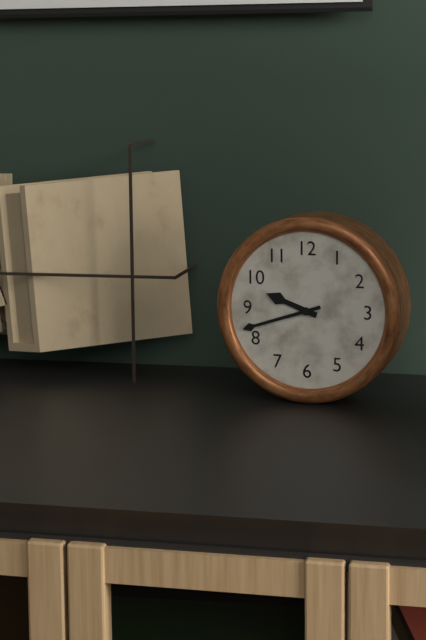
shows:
9,42
